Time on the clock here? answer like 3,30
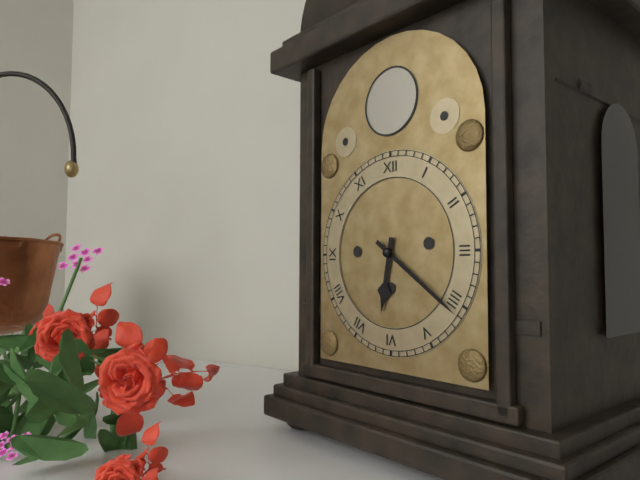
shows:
6,21
